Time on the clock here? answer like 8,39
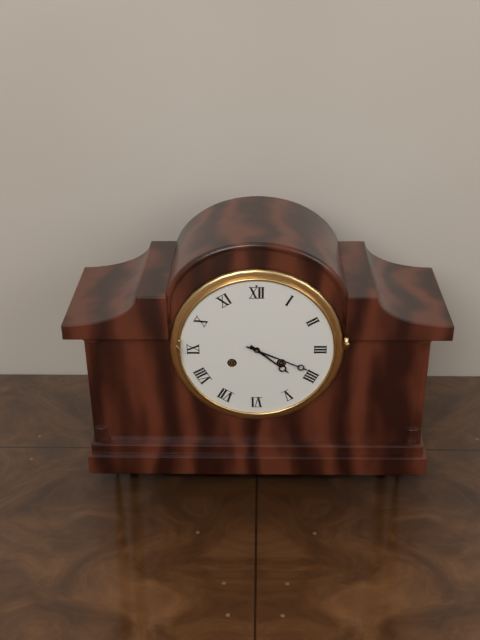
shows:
4,19
